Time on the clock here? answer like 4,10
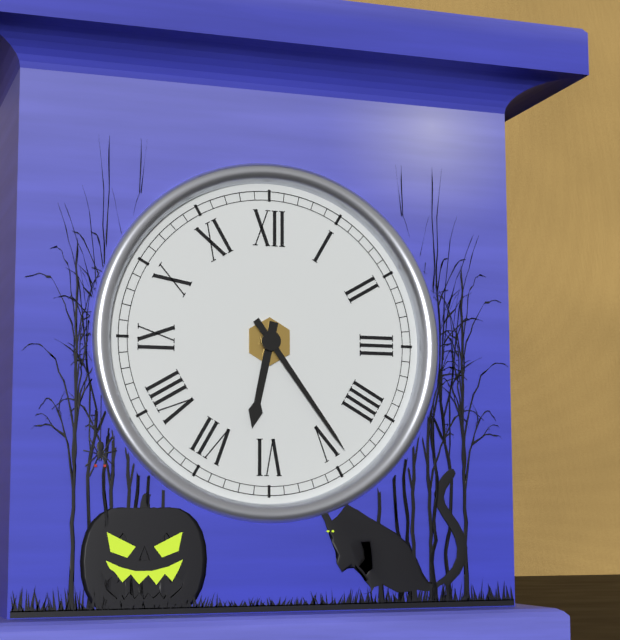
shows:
6,24
